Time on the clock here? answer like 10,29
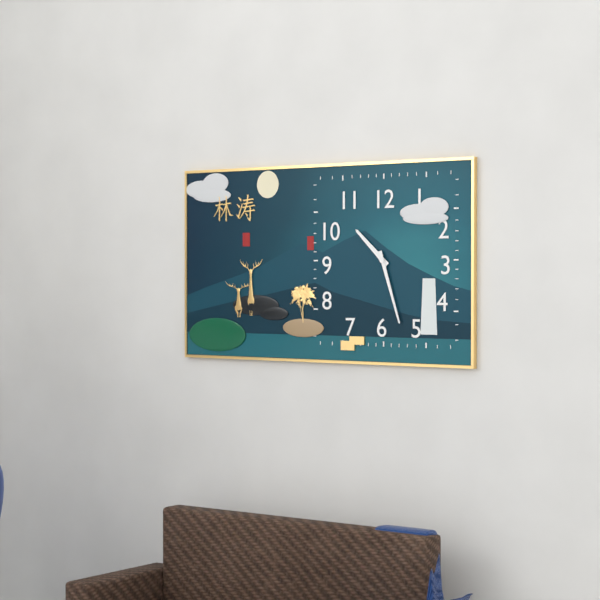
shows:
10,27
